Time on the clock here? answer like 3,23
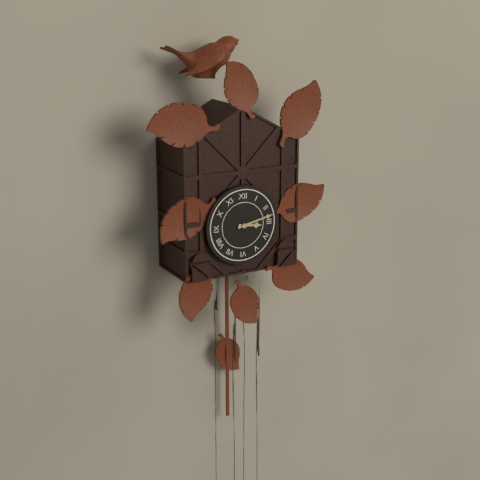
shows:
3,13
